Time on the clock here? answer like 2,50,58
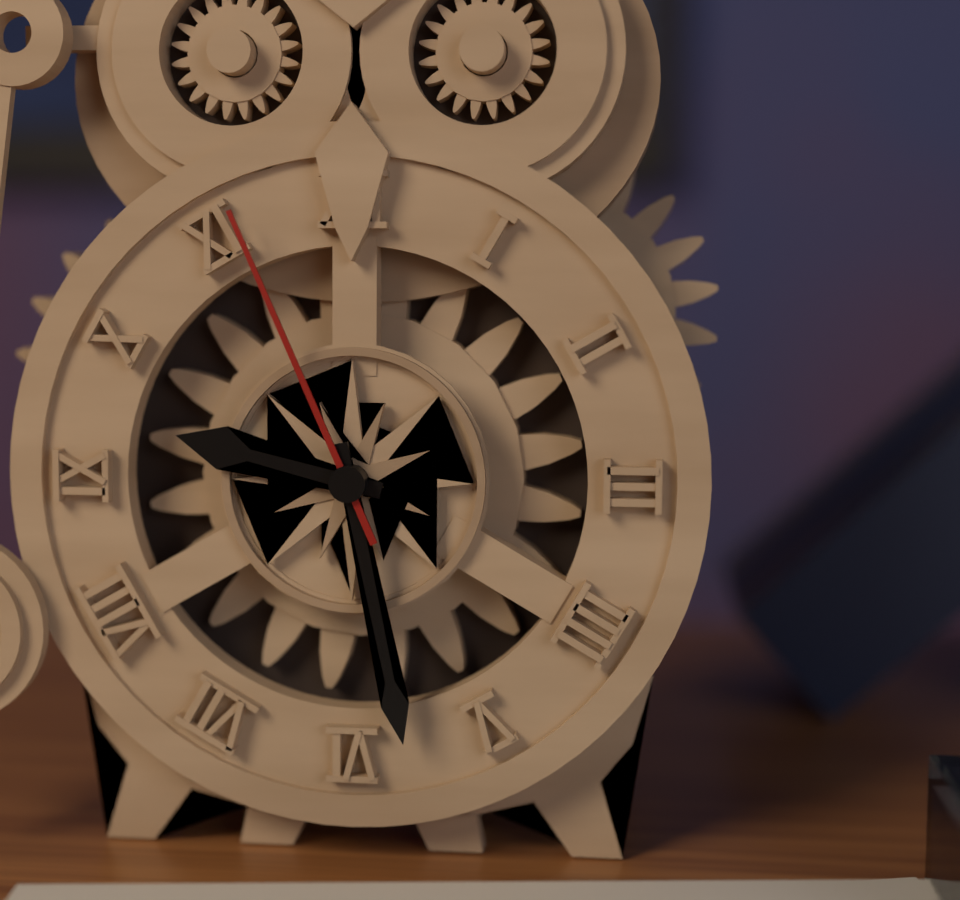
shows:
9,28,56
